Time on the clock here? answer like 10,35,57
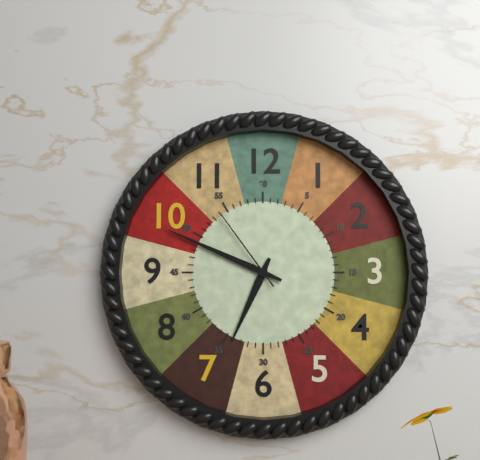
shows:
6,49,54
